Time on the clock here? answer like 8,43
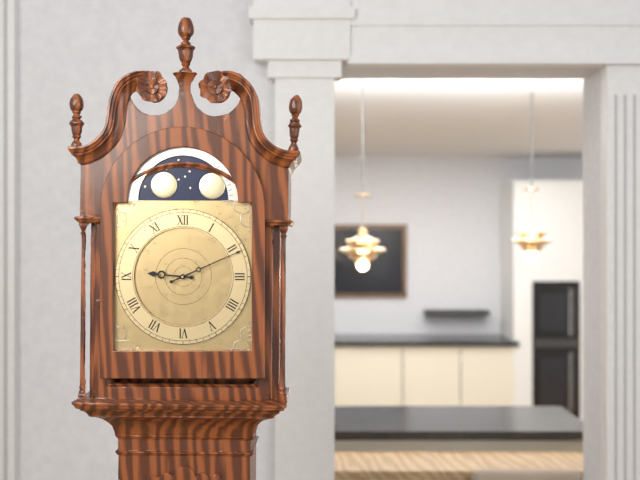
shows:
9,11
